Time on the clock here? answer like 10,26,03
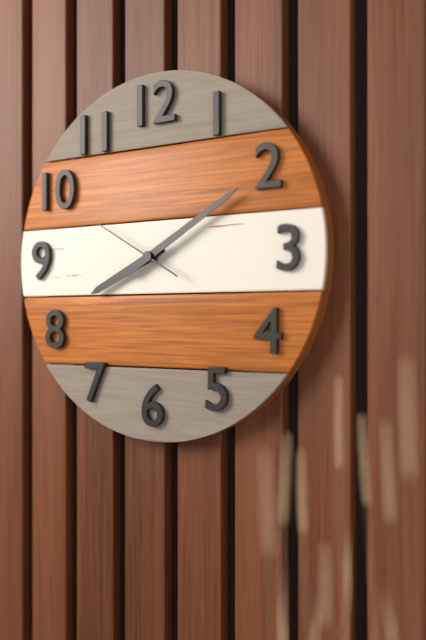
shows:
8,10,50
